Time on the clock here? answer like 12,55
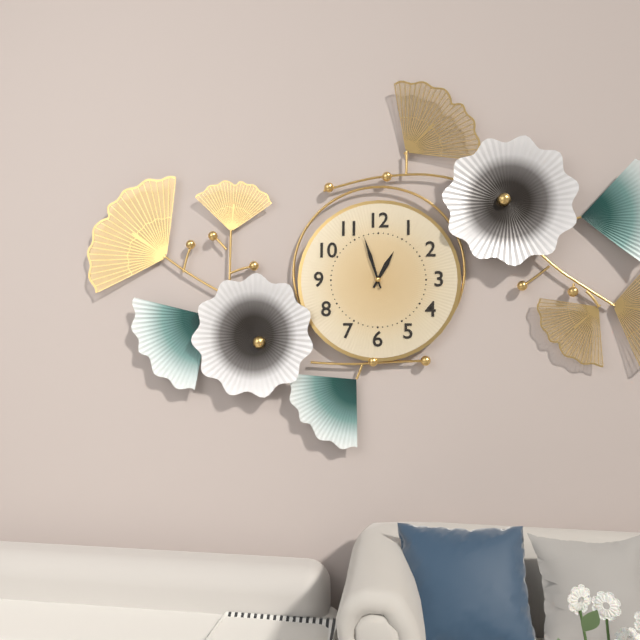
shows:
12,57
